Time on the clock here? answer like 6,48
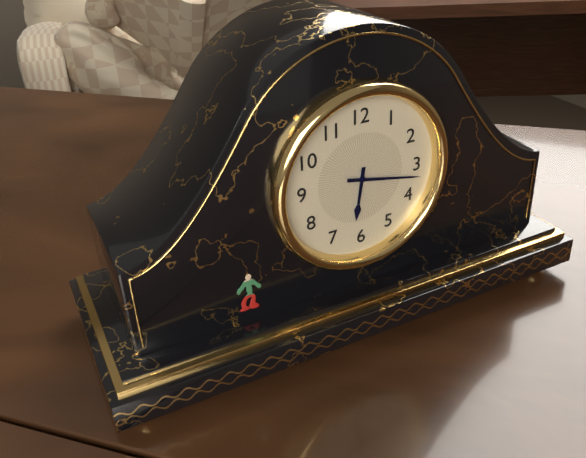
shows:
6,17
